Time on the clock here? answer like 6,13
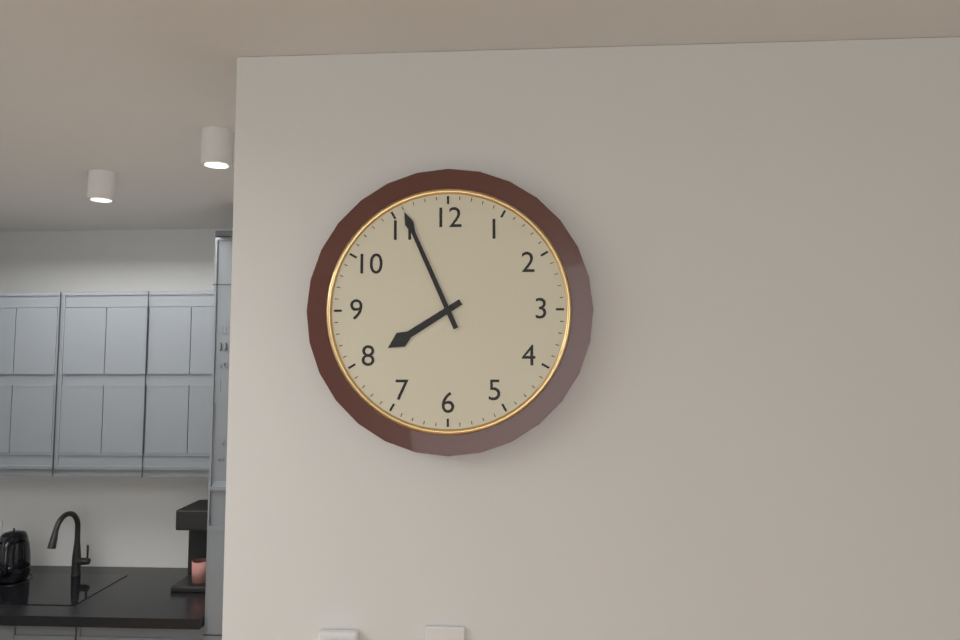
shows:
7,56
